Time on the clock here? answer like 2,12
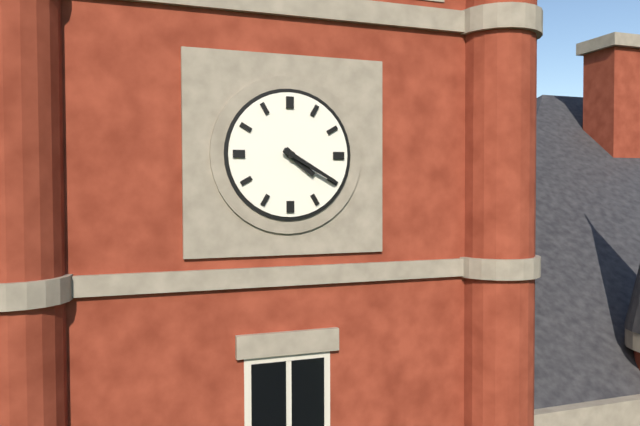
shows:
4,20
